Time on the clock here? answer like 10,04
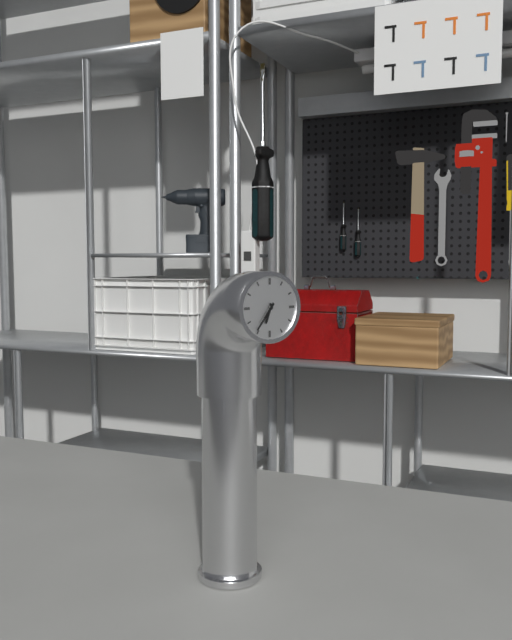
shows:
6,36
